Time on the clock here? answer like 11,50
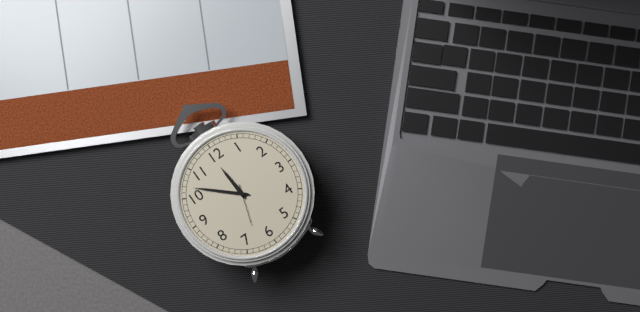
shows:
11,52
